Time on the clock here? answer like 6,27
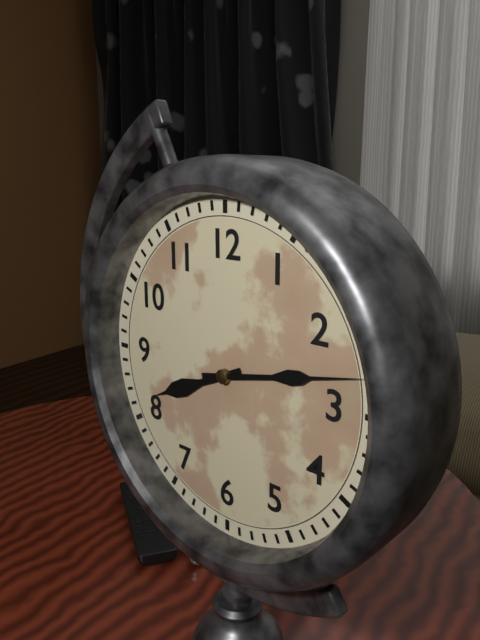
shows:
8,13
